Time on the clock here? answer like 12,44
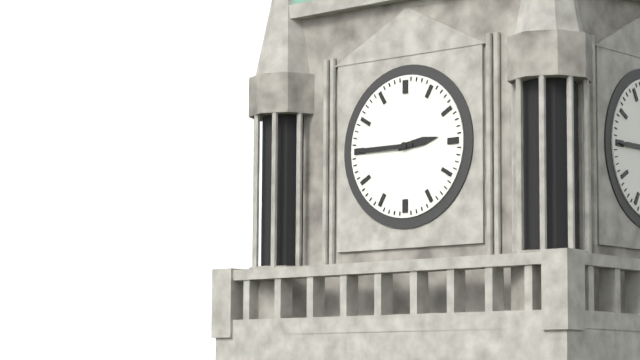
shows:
2,45
